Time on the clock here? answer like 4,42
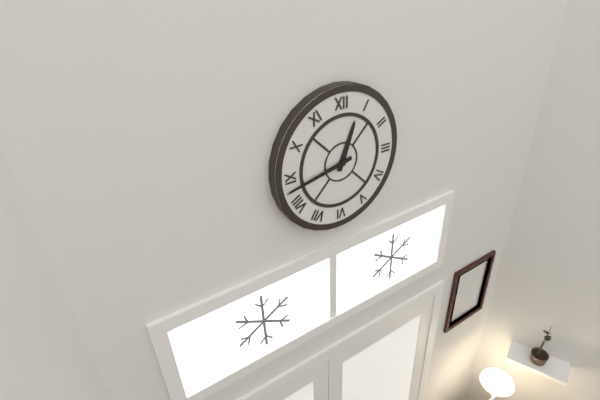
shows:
12,43
